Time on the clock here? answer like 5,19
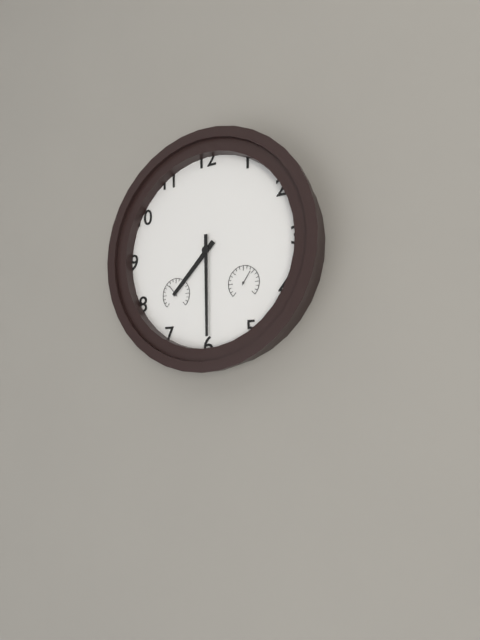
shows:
7,30
